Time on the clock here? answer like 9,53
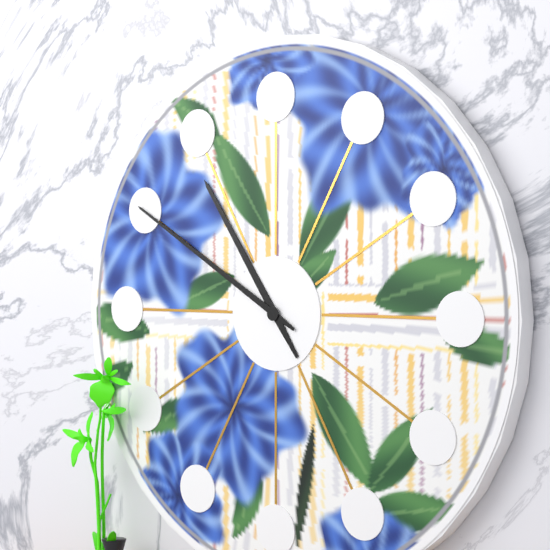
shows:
10,50
